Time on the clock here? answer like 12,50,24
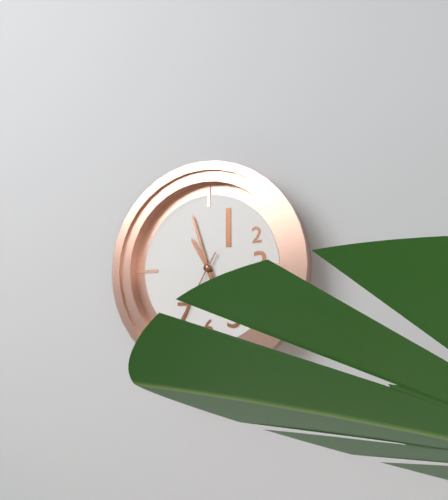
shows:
10,57,35
